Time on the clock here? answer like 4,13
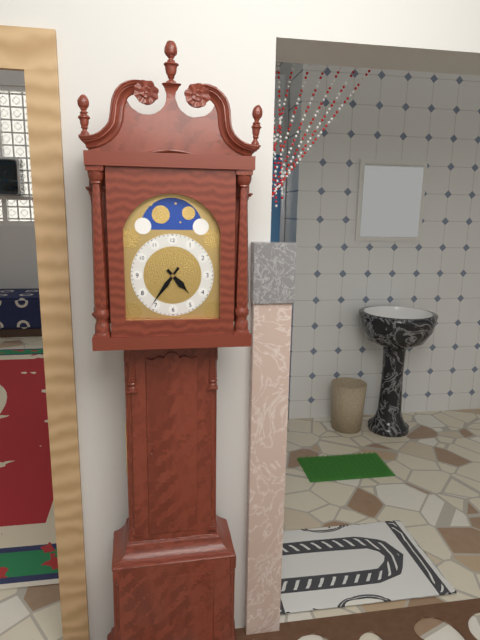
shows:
4,36
